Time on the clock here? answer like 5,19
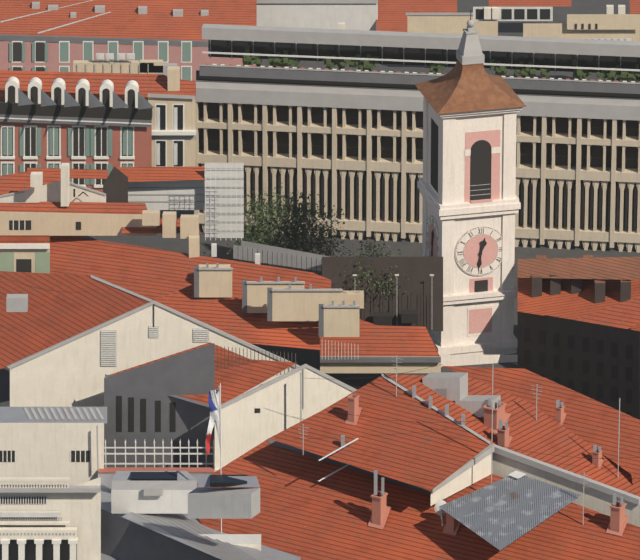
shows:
12,31
